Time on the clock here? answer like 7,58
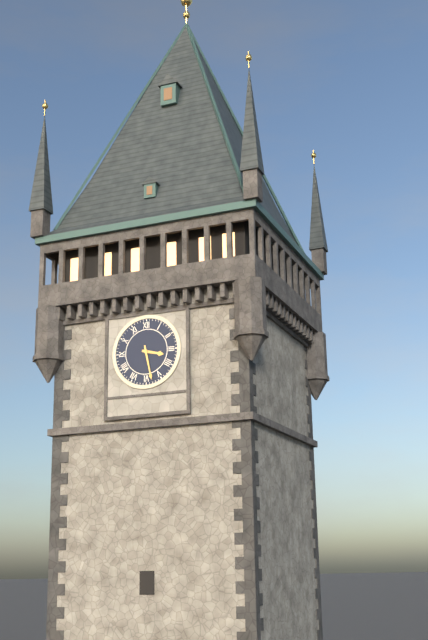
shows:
3,28
